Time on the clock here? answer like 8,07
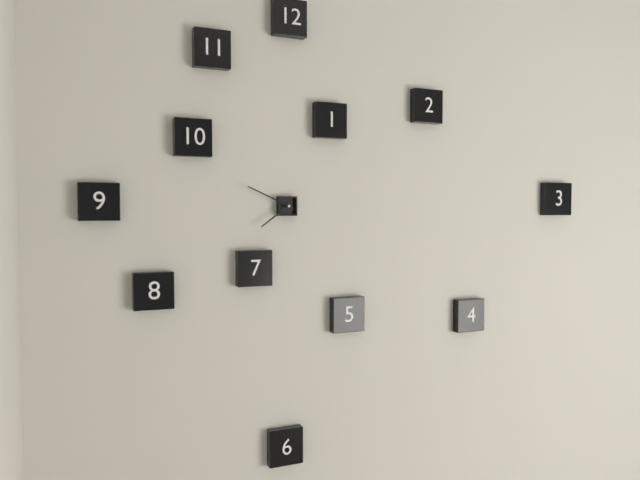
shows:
7,49
